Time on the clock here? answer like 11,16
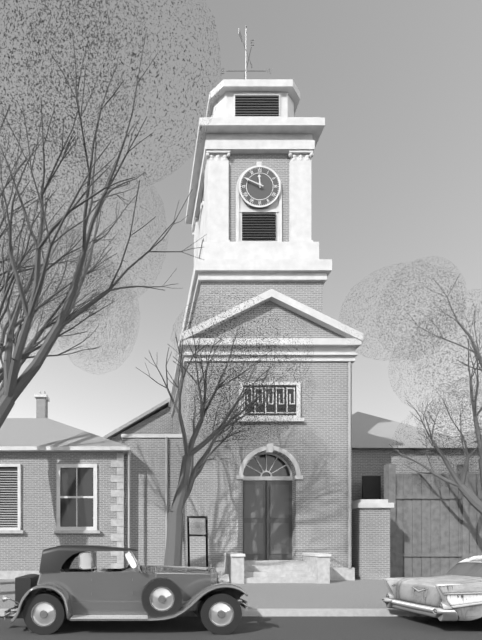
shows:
11,49
